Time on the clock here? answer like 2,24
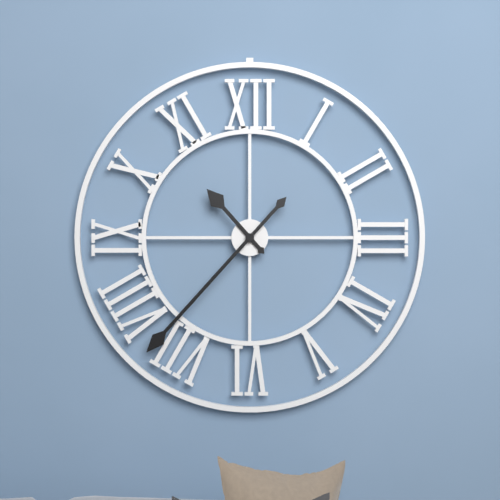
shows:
10,37
